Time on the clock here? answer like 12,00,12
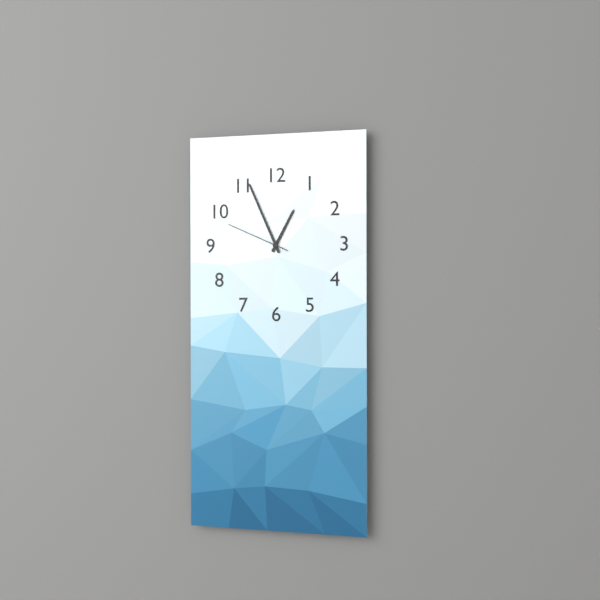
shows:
12,56,49
